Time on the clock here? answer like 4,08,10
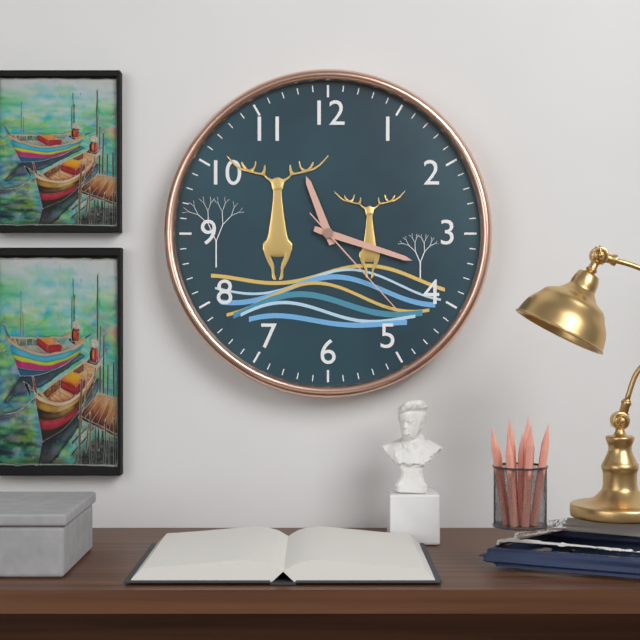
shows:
11,18,23
